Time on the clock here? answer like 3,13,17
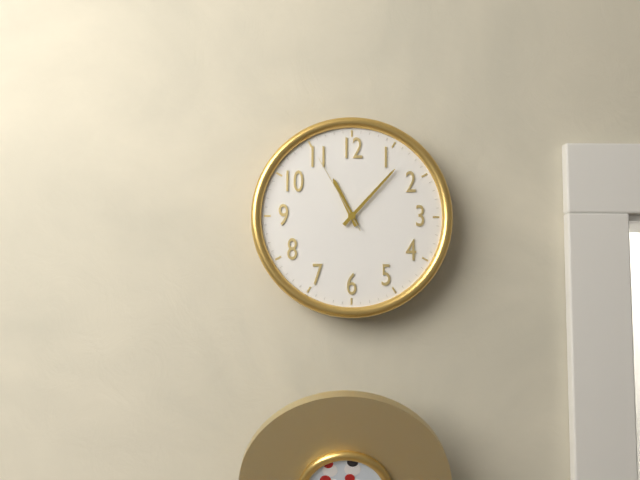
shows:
11,07,55
